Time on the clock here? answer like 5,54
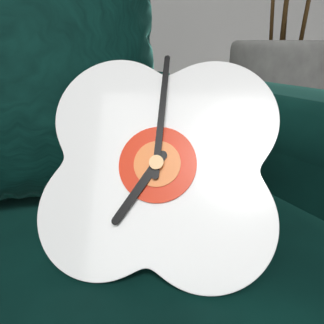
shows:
7,00
